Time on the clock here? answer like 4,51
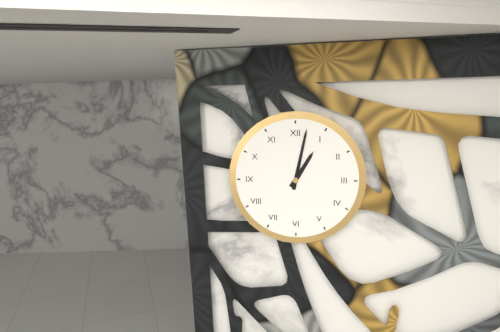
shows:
1,02
